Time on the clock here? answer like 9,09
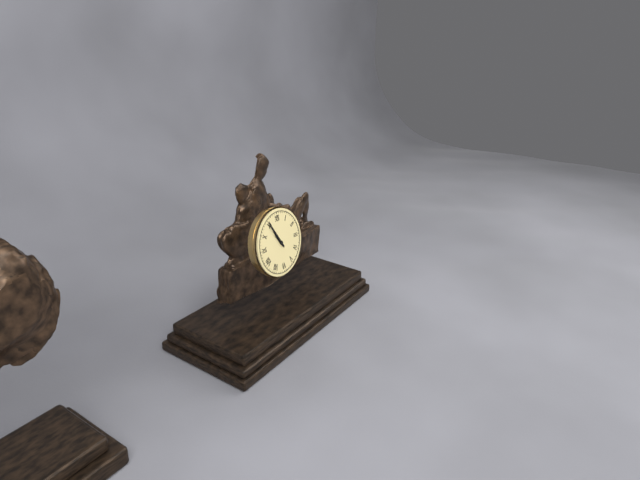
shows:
10,55
